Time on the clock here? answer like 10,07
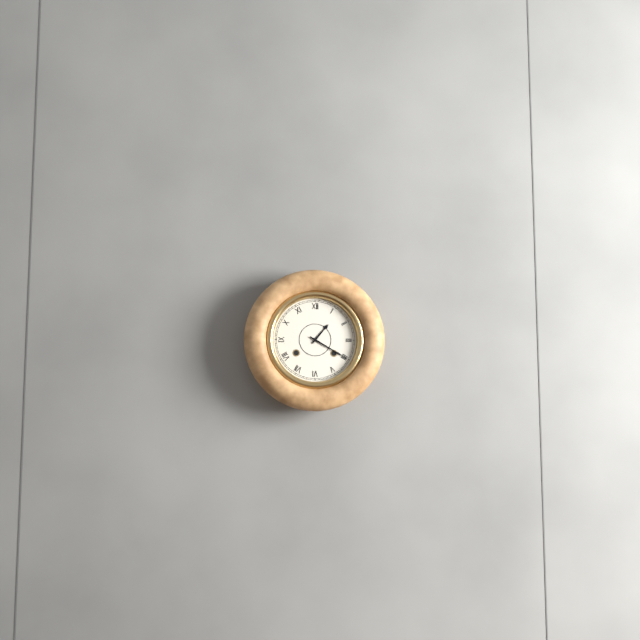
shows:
1,20
